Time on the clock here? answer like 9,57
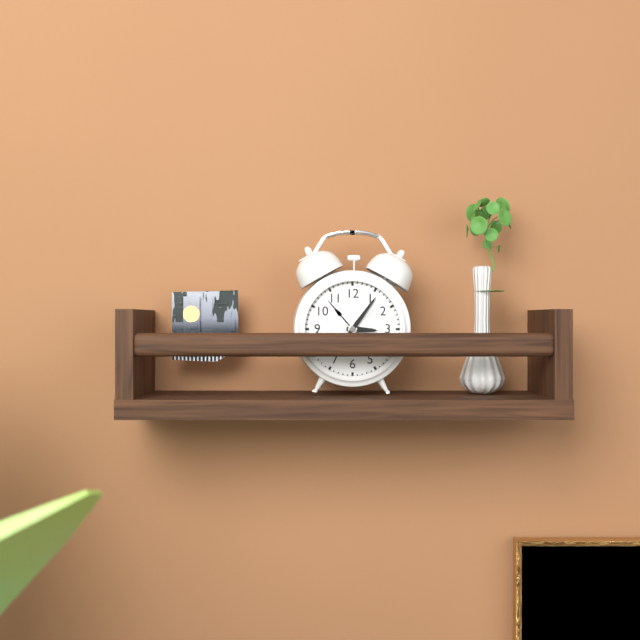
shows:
3,06
